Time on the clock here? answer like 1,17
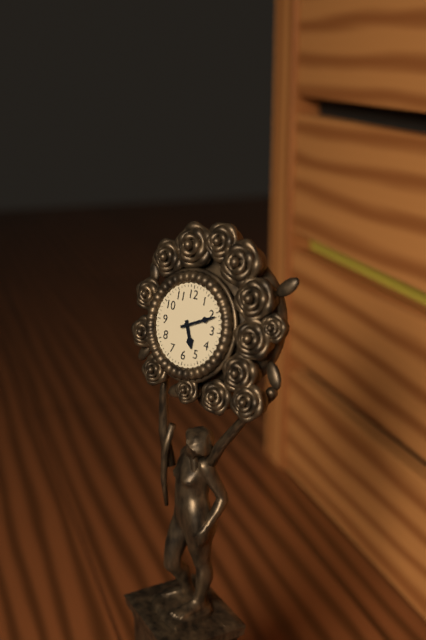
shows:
5,11
